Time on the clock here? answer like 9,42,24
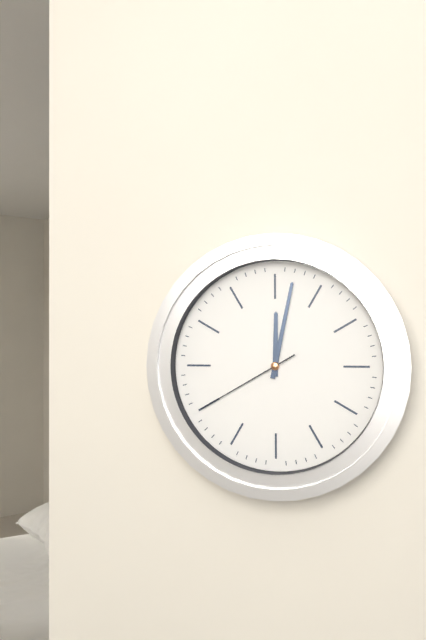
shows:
12,02,40
